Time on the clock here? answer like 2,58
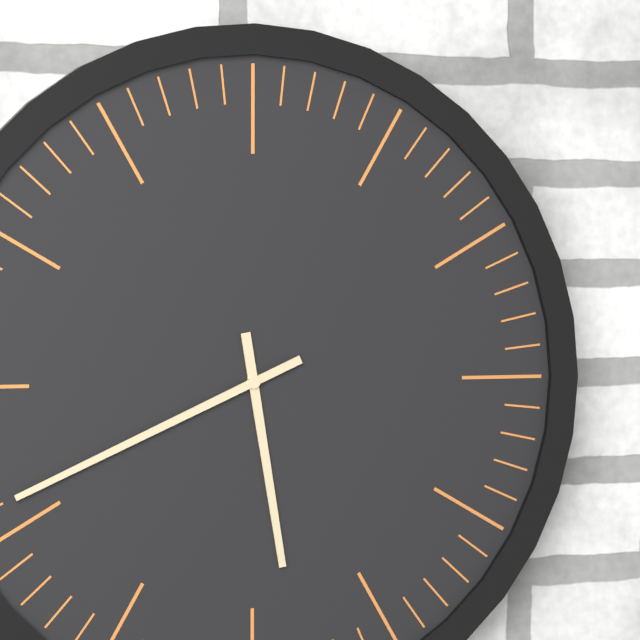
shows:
5,41
